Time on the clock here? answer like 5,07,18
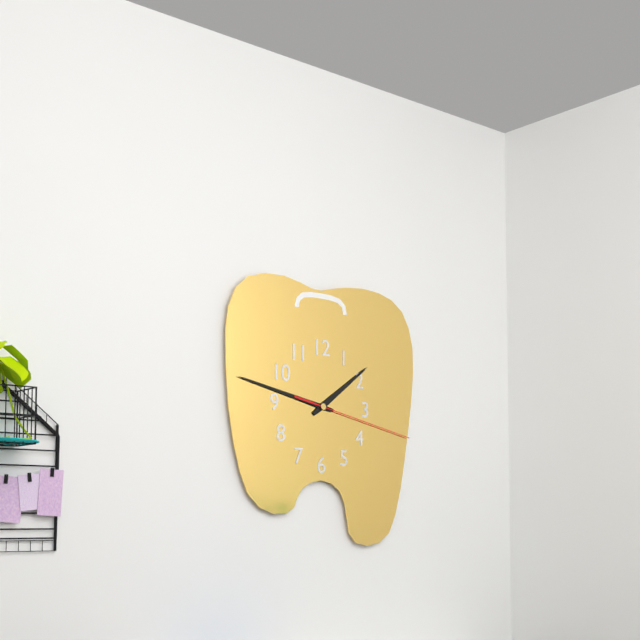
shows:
1,47,17
